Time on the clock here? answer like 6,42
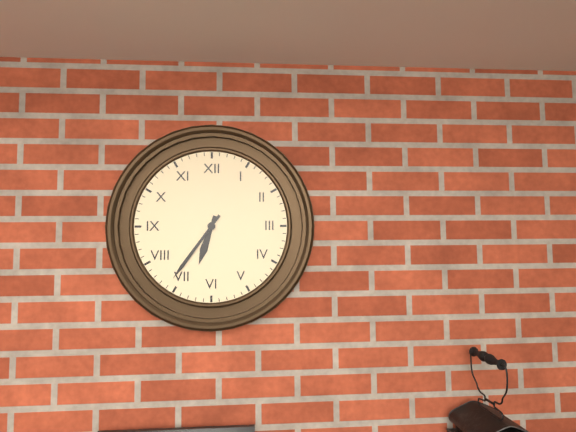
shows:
6,36
